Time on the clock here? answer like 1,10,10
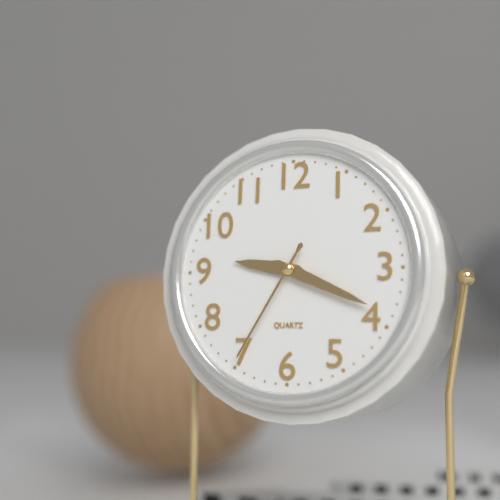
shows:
9,19,35
